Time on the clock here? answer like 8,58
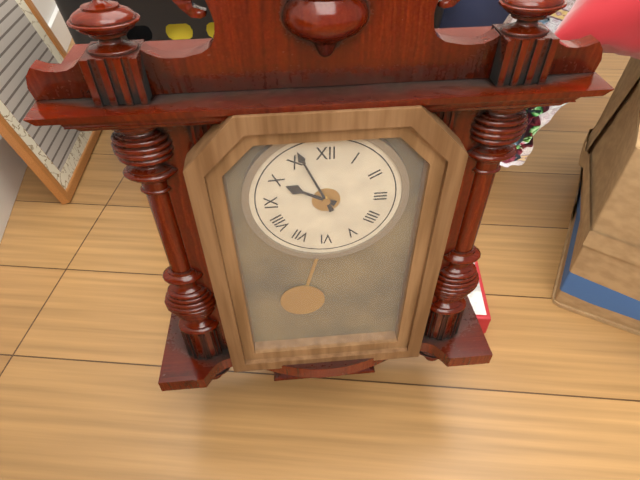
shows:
9,56
